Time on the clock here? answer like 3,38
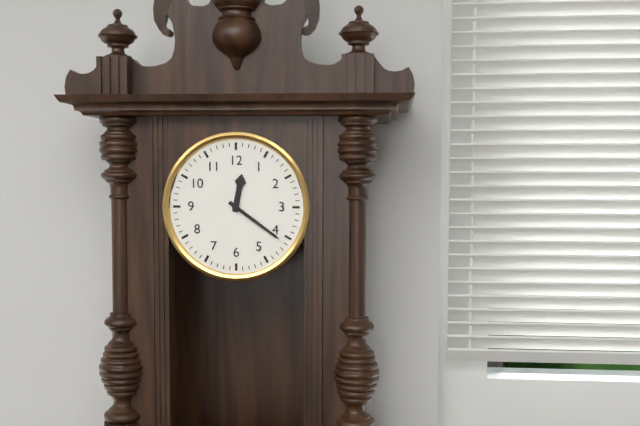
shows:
12,21
